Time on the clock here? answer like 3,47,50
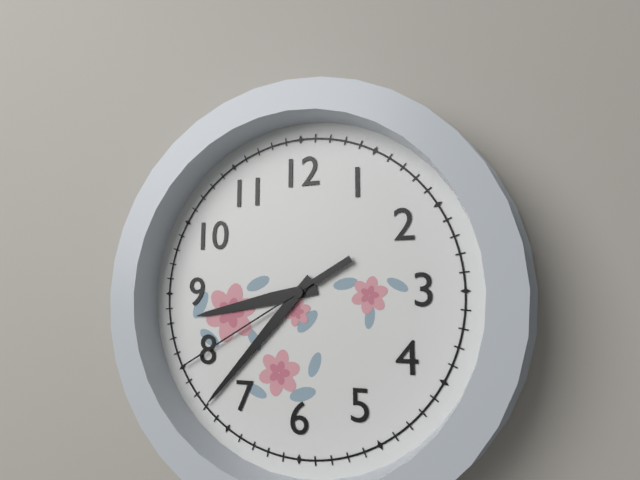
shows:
8,37,40
